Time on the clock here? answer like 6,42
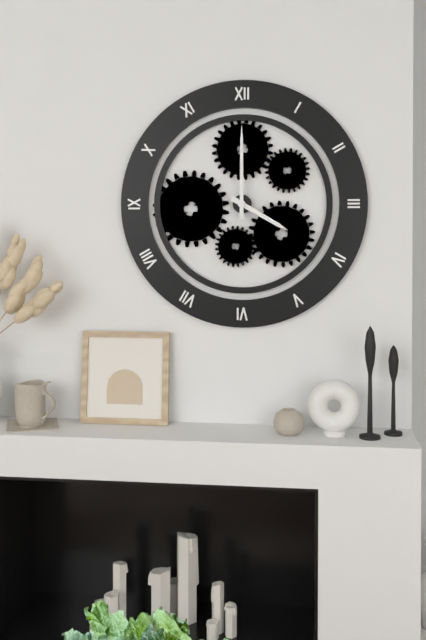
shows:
4,00
